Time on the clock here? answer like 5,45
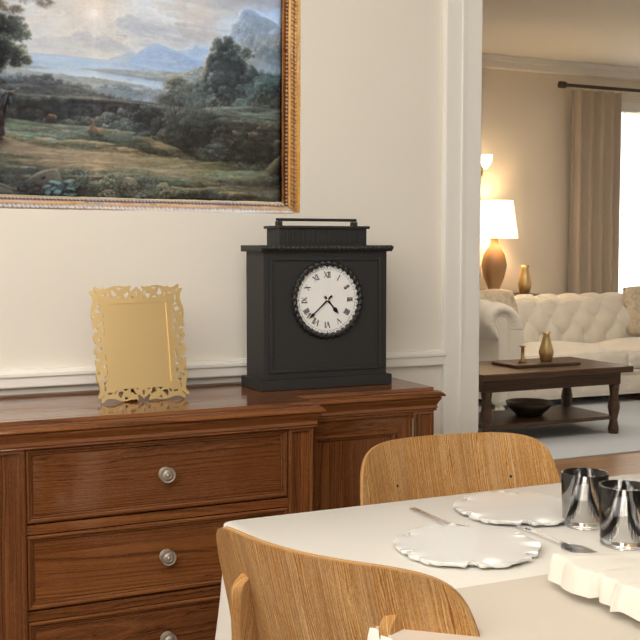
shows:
4,38
